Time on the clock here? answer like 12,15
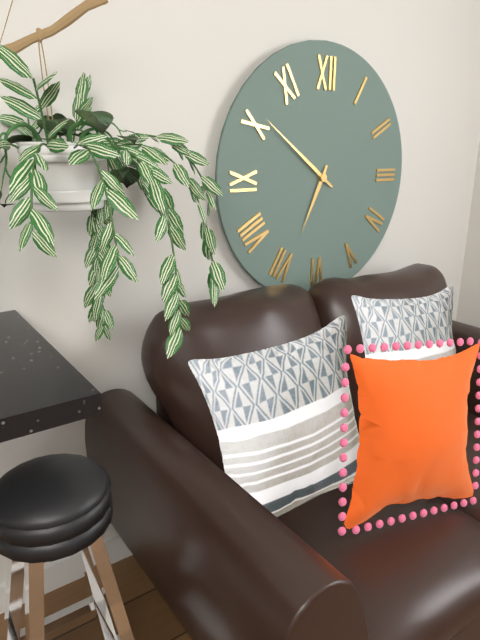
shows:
6,51
